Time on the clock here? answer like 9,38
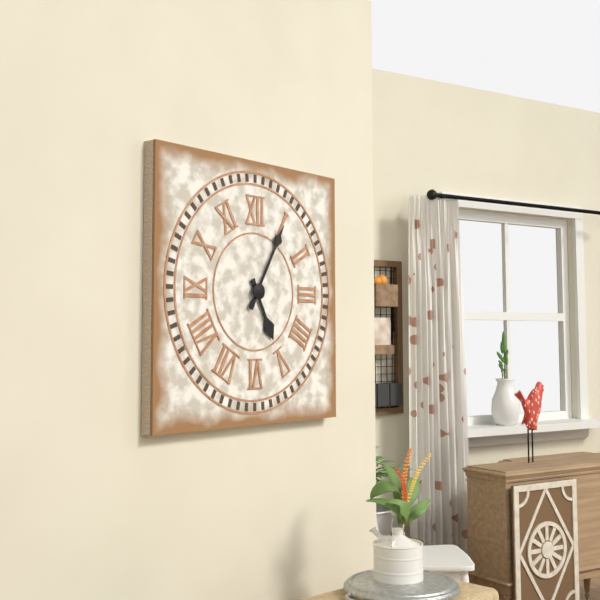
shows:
5,05
